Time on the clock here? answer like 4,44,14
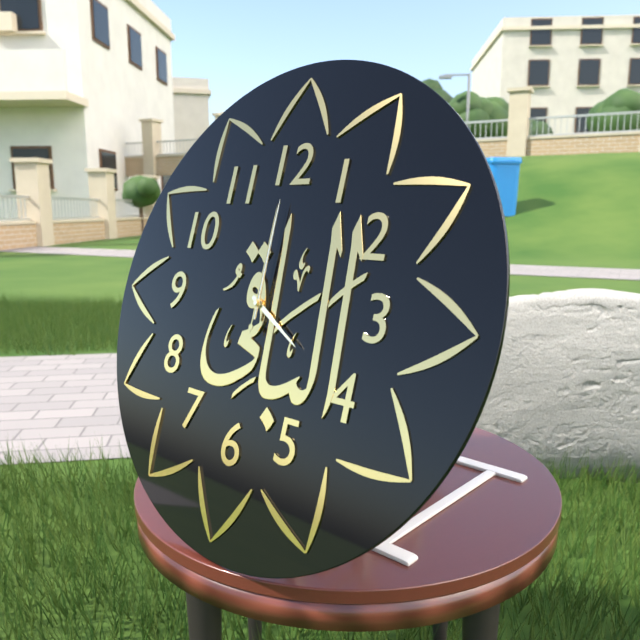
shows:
4,00,00
